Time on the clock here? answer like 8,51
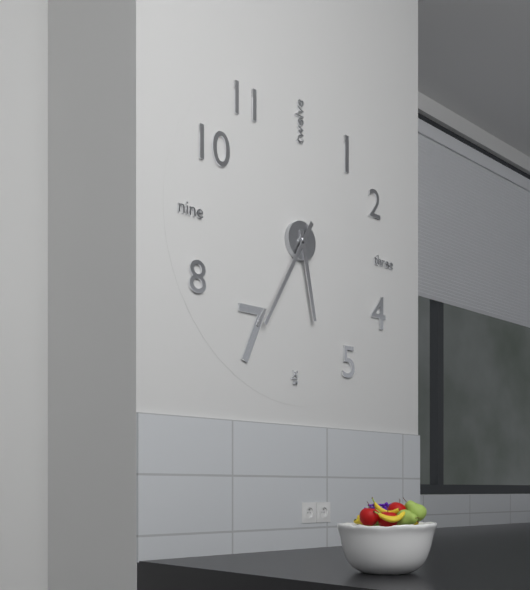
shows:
5,35
